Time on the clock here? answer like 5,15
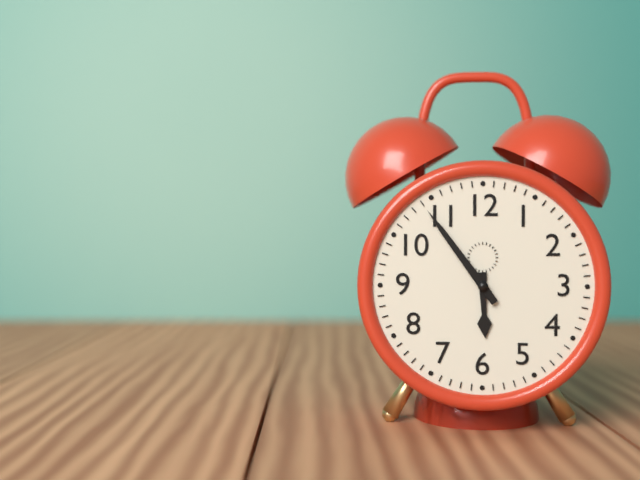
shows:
5,54
